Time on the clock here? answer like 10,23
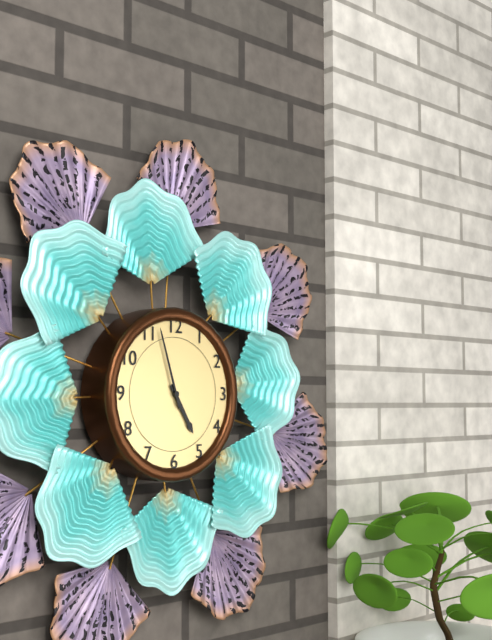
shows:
4,57
